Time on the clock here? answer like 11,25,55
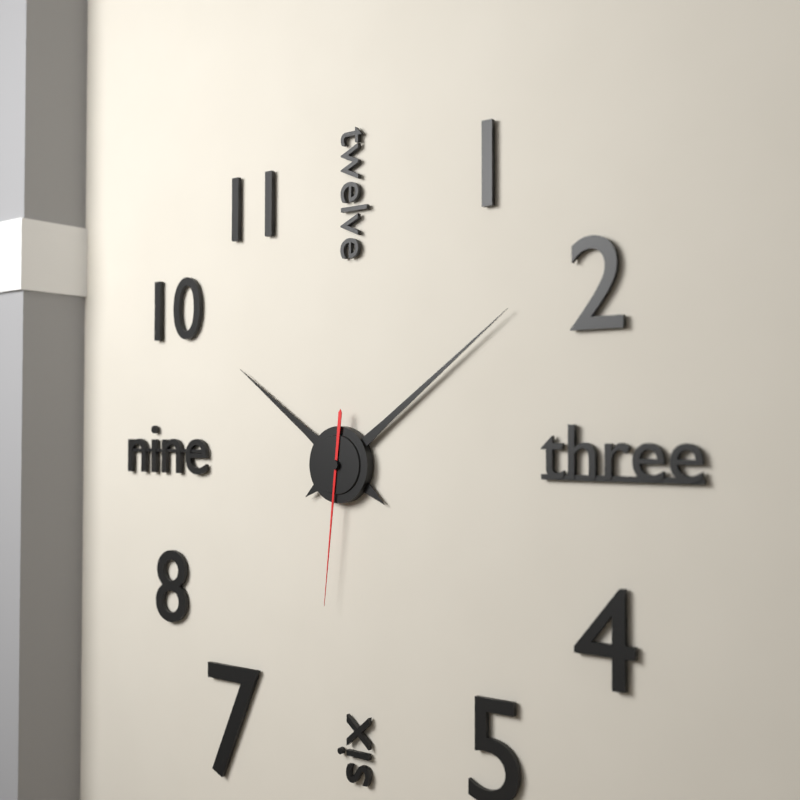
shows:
10,09,31
